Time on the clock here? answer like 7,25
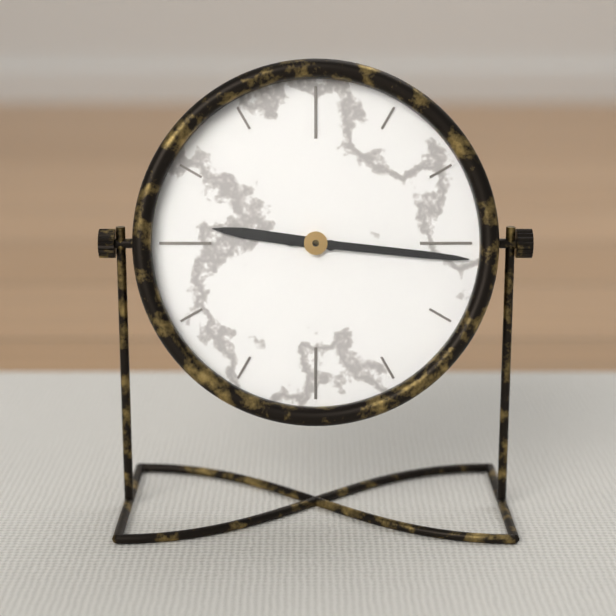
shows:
9,16
